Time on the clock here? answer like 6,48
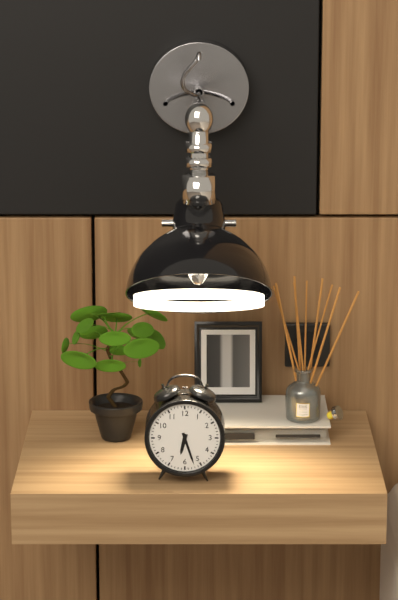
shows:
6,27
